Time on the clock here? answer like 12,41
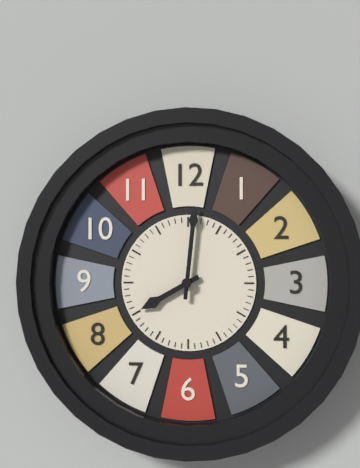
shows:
8,01
